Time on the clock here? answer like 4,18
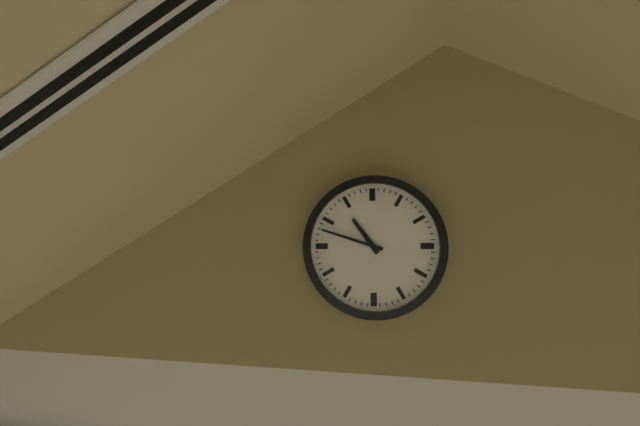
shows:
10,48
